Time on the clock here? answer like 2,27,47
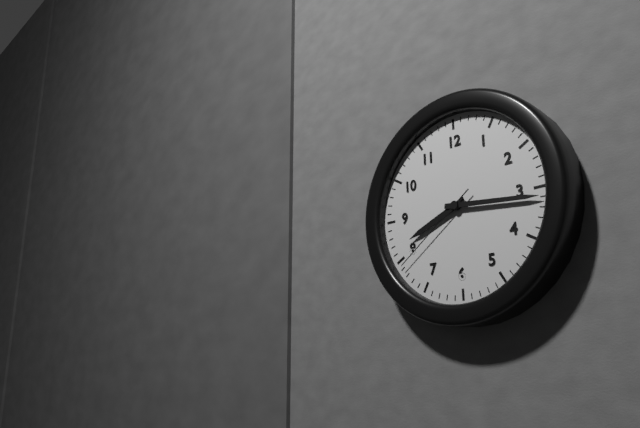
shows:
8,16,39
